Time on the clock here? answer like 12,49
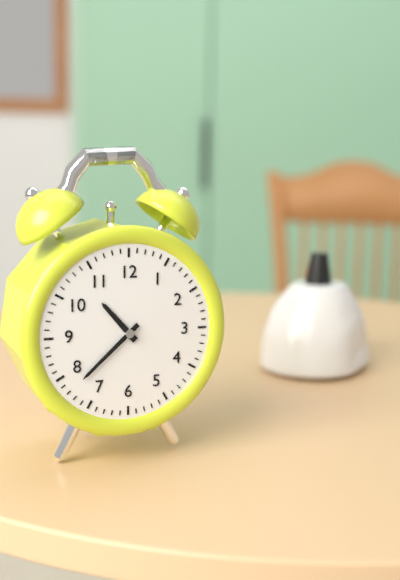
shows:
10,38
